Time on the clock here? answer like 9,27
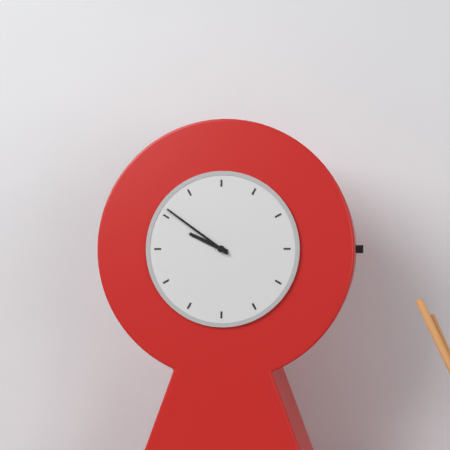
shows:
9,51
